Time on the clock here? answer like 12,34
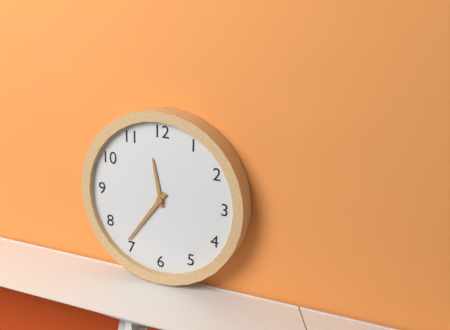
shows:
11,36
